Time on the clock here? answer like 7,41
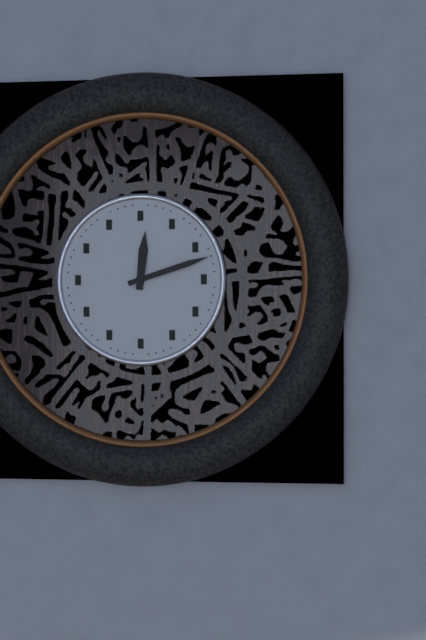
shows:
12,12
